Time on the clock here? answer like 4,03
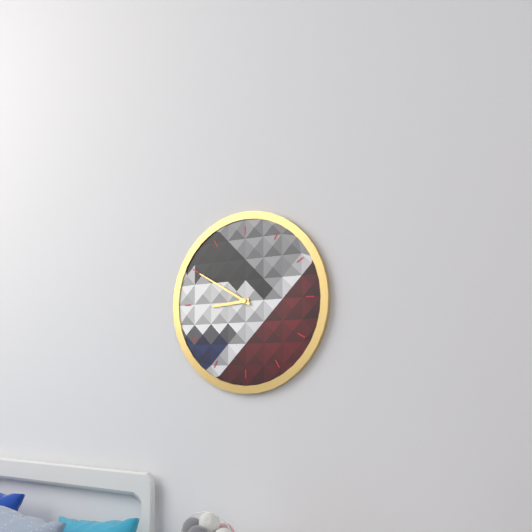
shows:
8,50
